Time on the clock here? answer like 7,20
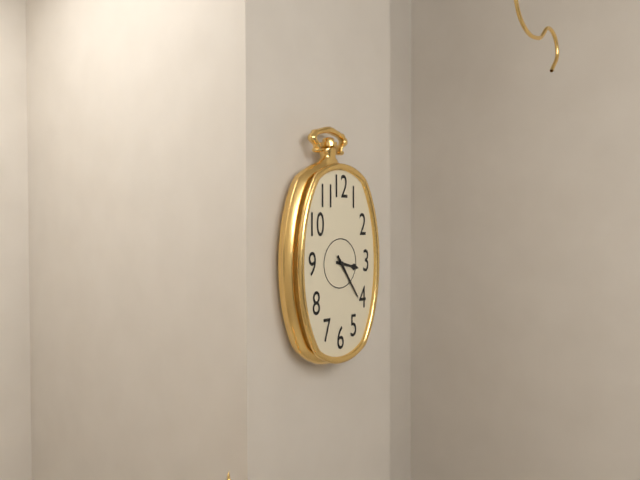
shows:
3,24
